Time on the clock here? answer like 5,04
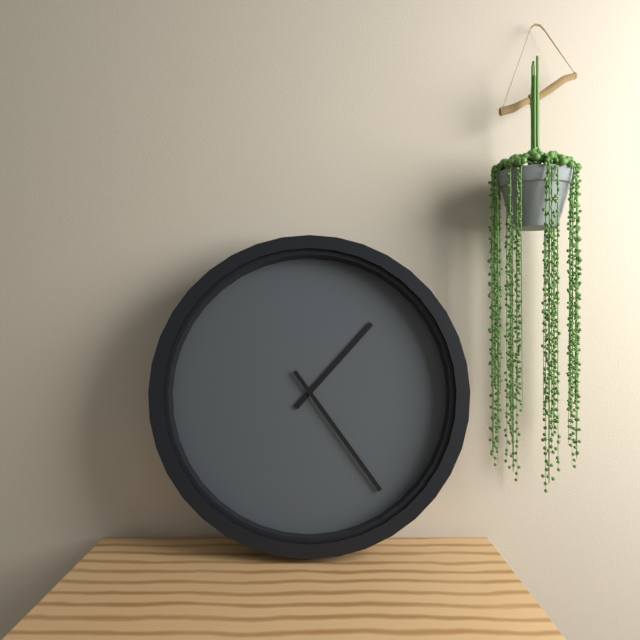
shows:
1,24
